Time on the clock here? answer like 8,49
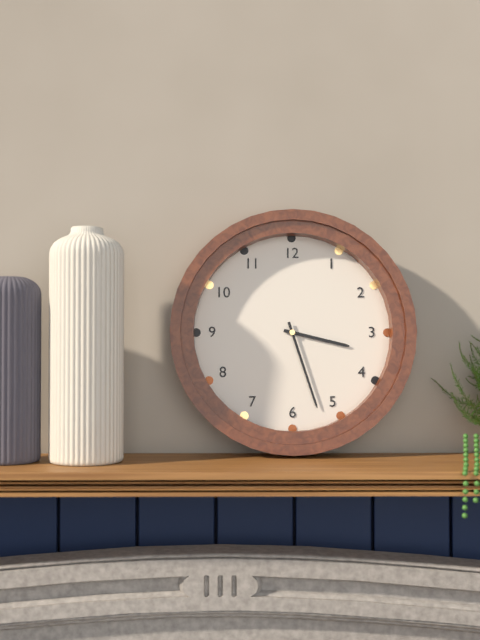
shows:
3,27
